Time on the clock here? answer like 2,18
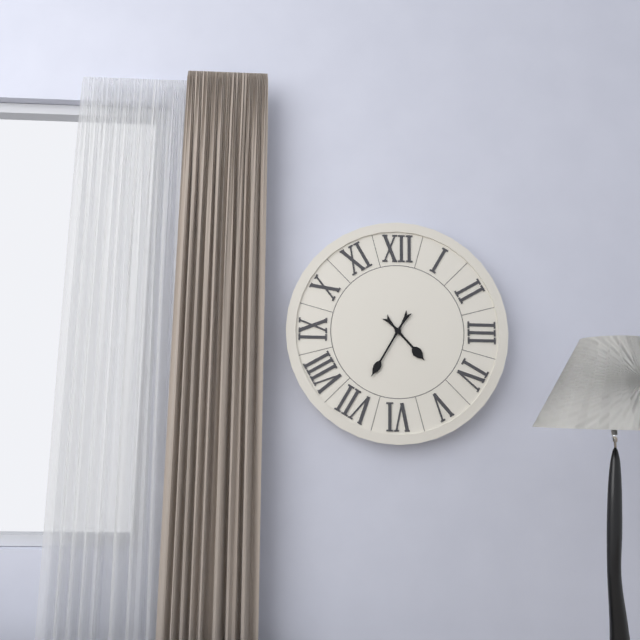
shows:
4,35
